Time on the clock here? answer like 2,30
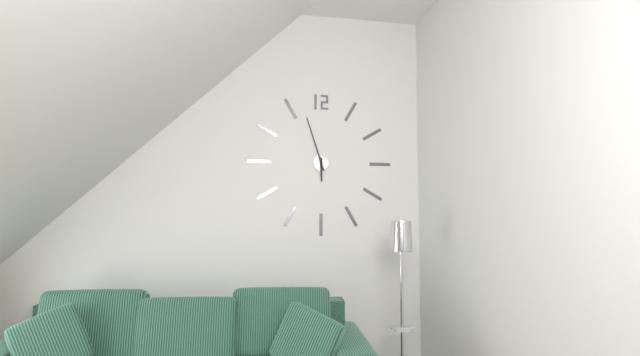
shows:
5,57
